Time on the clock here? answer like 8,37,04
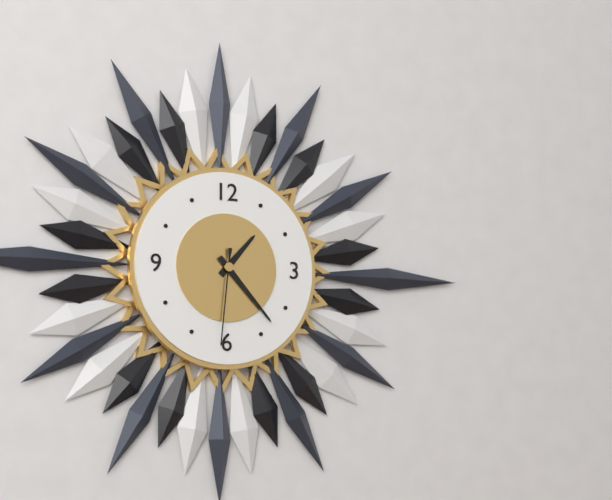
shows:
1,23,31
